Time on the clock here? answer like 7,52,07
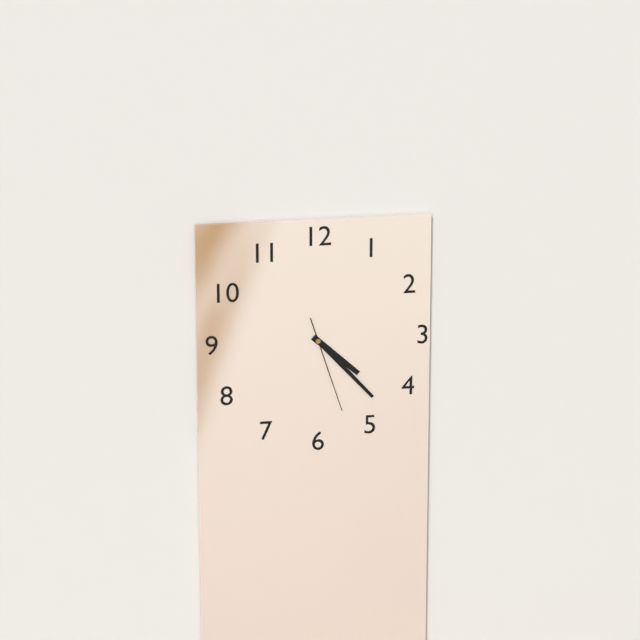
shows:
4,23,27
